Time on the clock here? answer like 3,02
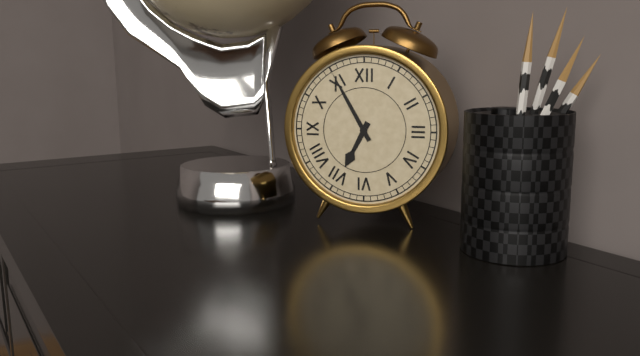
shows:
6,55
